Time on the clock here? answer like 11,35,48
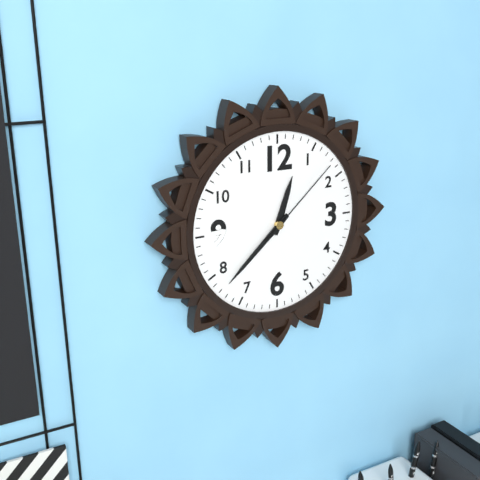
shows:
12,38,08
